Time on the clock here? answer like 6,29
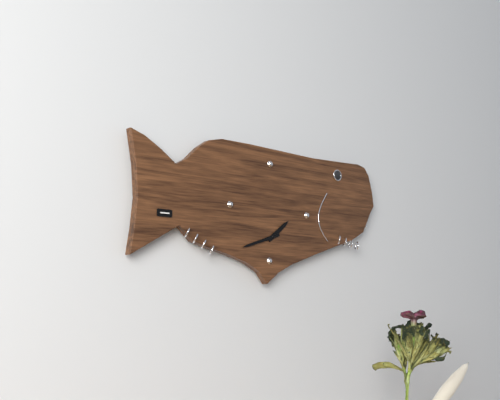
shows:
1,42
